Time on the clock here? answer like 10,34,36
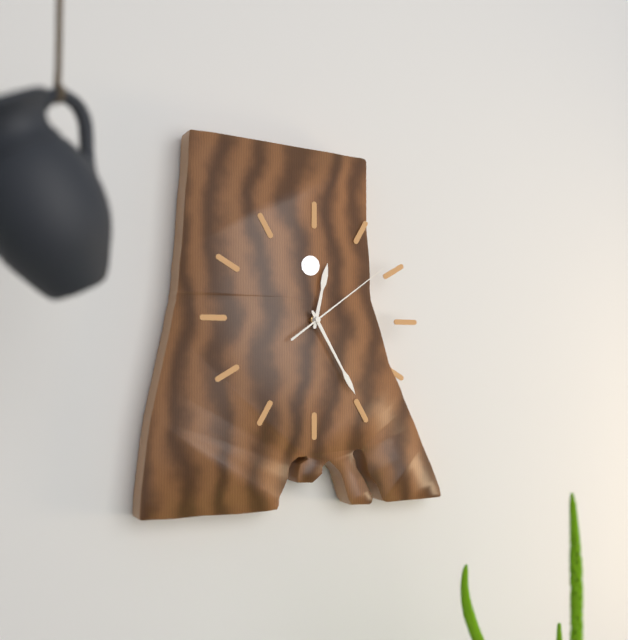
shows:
12,25,09
